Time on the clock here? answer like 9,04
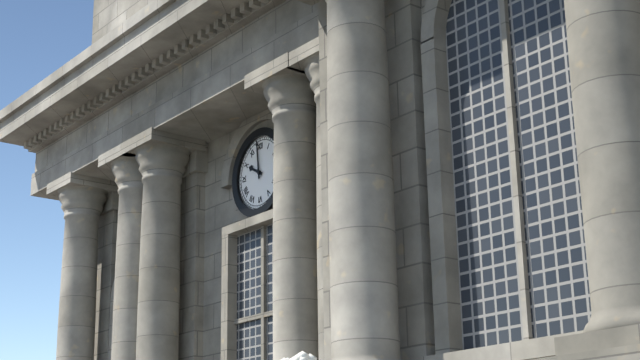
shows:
9,59
